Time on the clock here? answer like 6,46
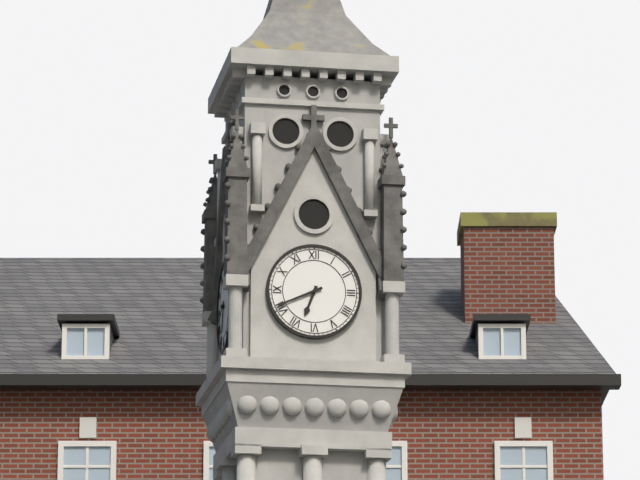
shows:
6,41
